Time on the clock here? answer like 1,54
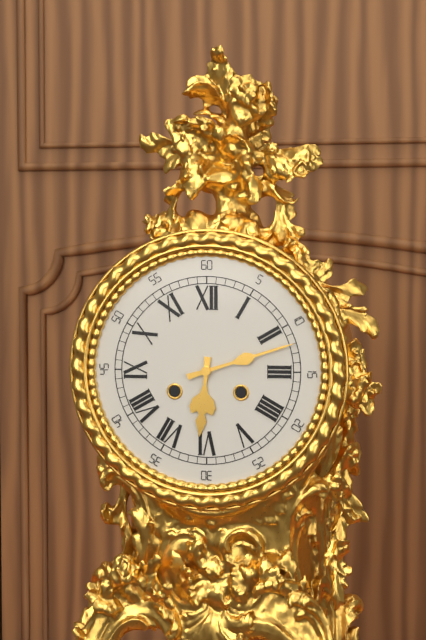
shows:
6,12
